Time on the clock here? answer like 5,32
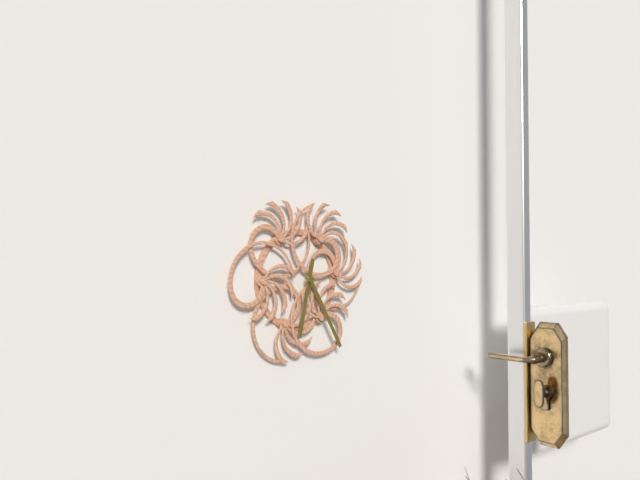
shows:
6,25
